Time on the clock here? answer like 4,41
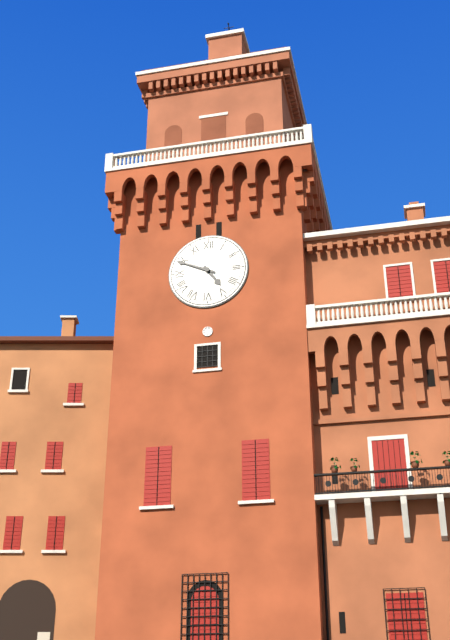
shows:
4,49
